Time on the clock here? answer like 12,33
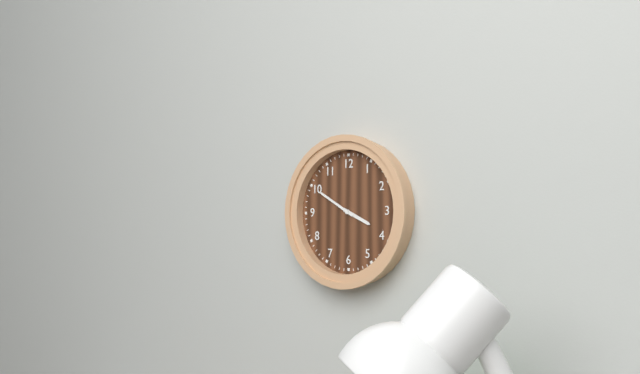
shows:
3,50
